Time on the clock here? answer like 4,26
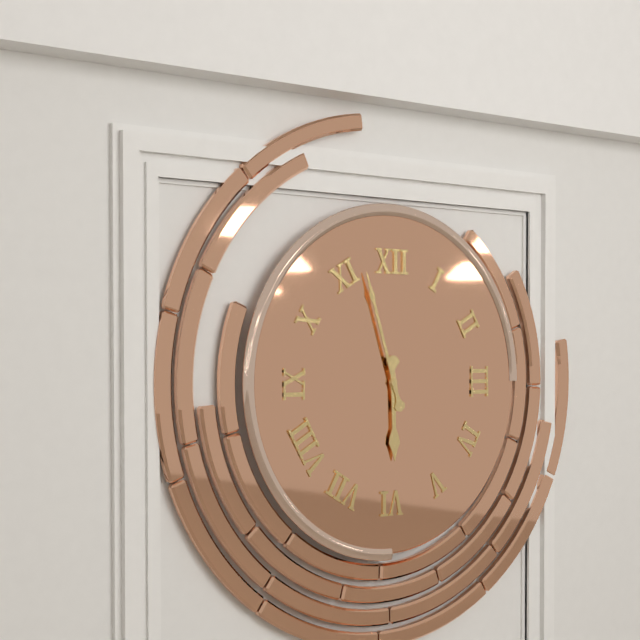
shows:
5,57
